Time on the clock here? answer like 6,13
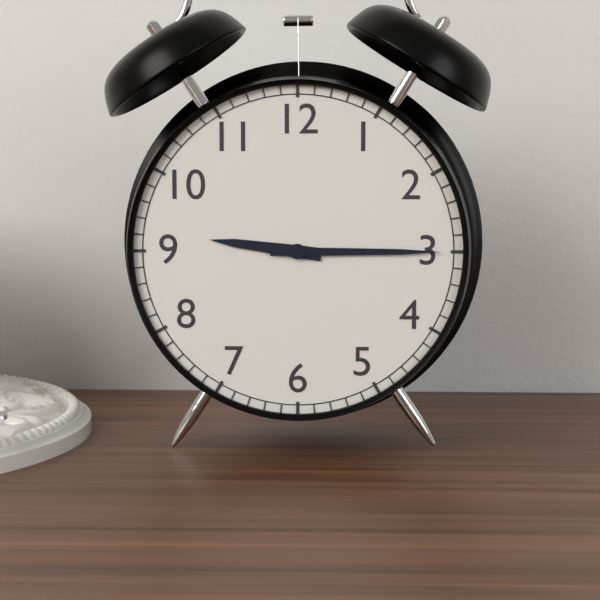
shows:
9,15
